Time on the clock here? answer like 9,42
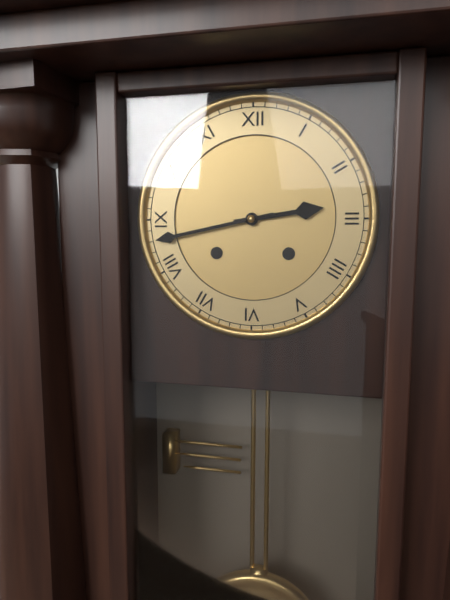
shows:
2,43
